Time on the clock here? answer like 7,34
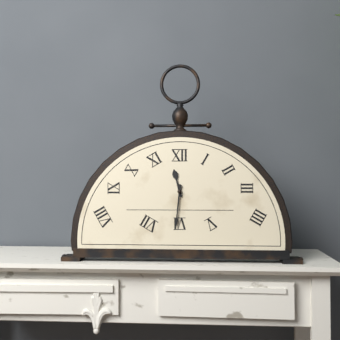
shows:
11,31
